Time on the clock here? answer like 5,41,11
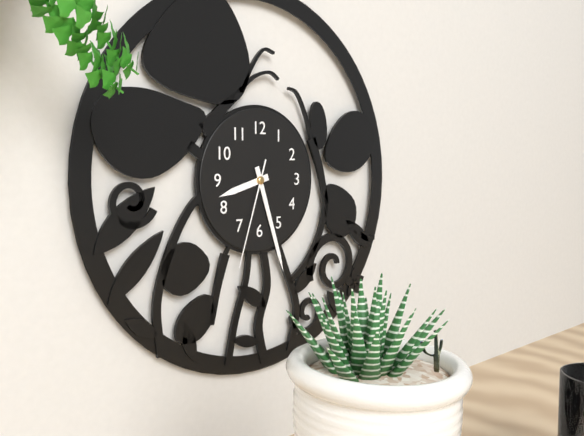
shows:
8,27,33
